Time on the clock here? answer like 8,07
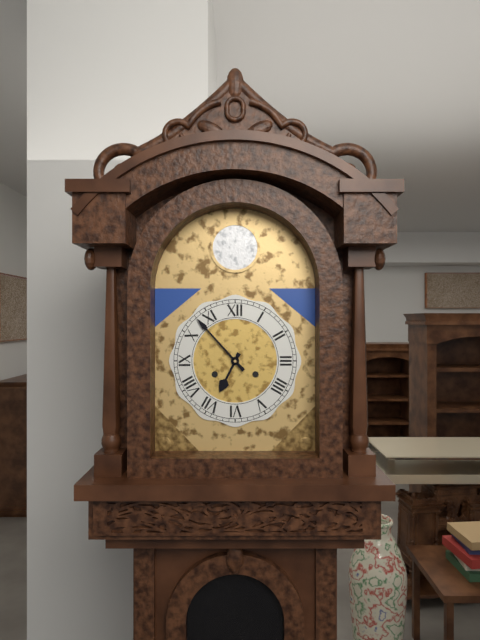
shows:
6,53
